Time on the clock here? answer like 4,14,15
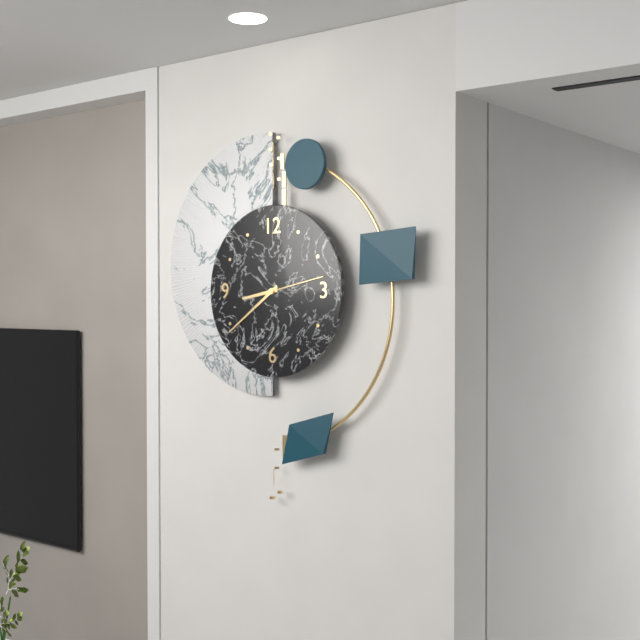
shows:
8,39,13
